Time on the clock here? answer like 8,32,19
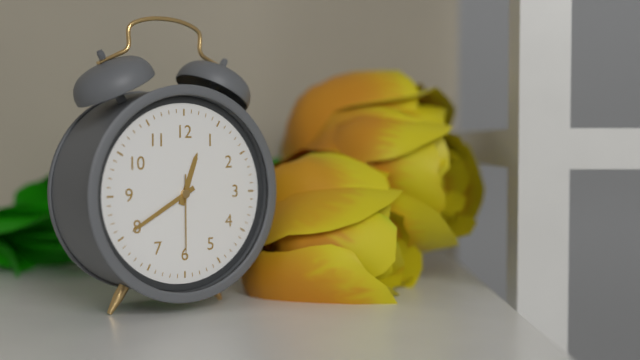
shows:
12,40,30
